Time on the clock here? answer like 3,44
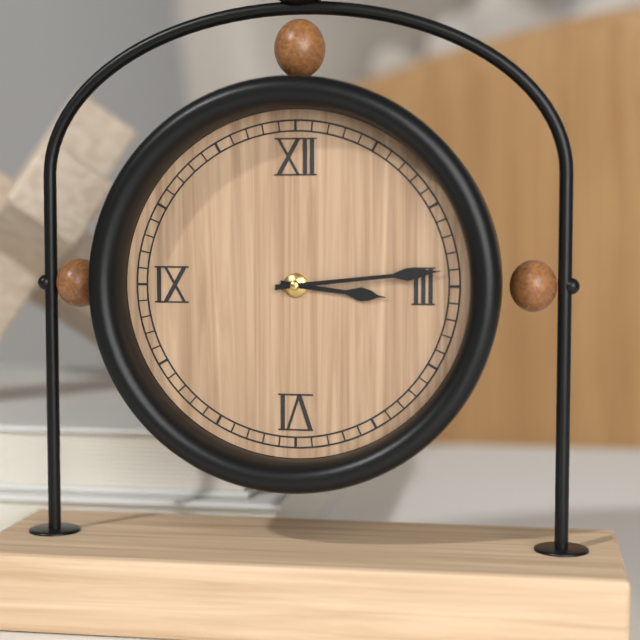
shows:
3,14
